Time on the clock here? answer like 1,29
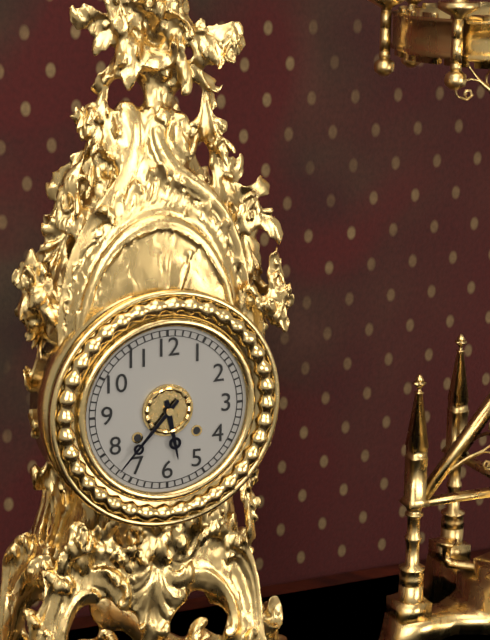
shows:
5,37
